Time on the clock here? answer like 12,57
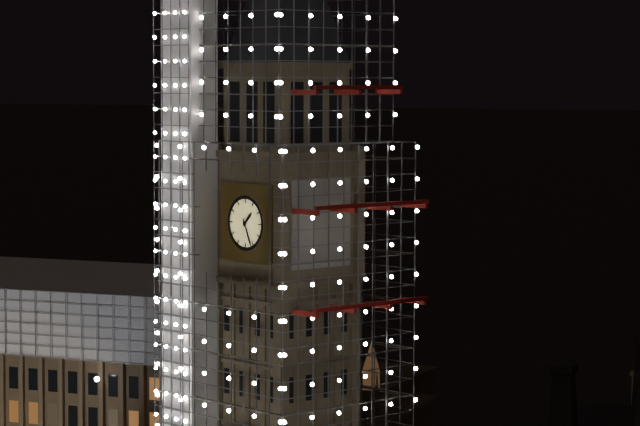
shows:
1,26
